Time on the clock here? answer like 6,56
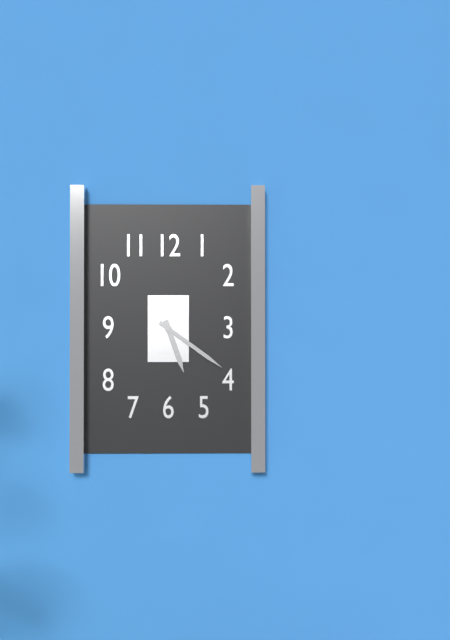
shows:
5,21
